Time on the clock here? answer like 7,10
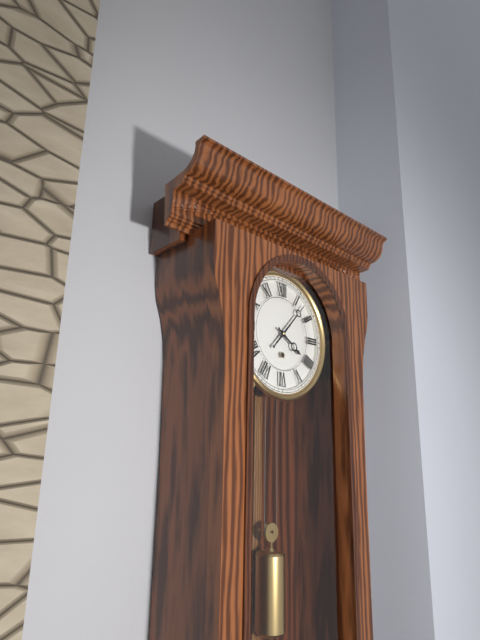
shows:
4,07
